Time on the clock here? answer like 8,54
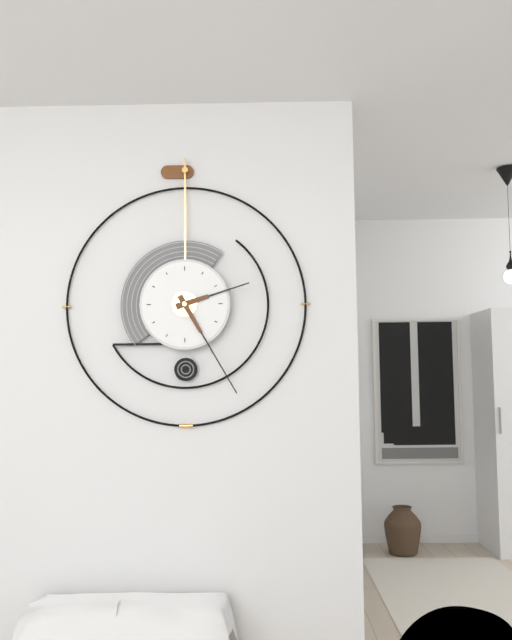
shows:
2,25
